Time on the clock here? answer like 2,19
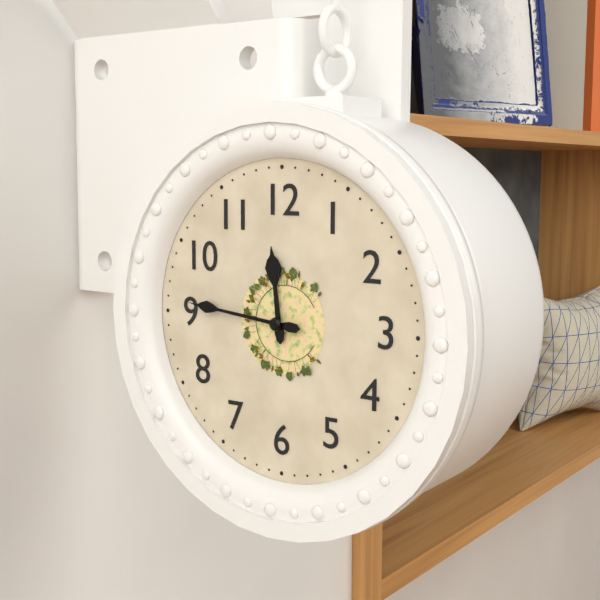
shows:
11,46
